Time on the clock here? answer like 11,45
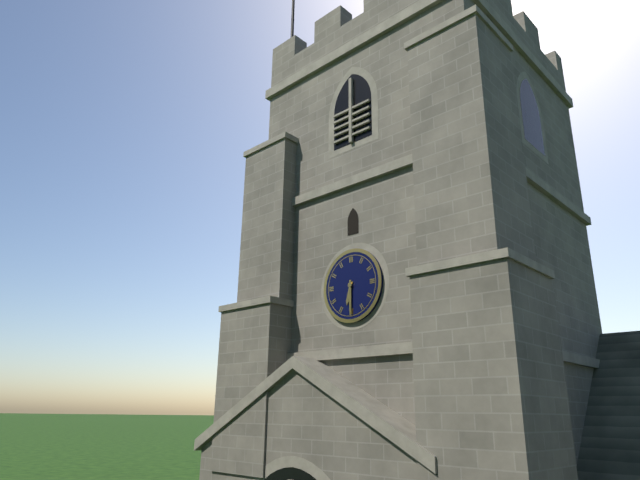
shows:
6,30
